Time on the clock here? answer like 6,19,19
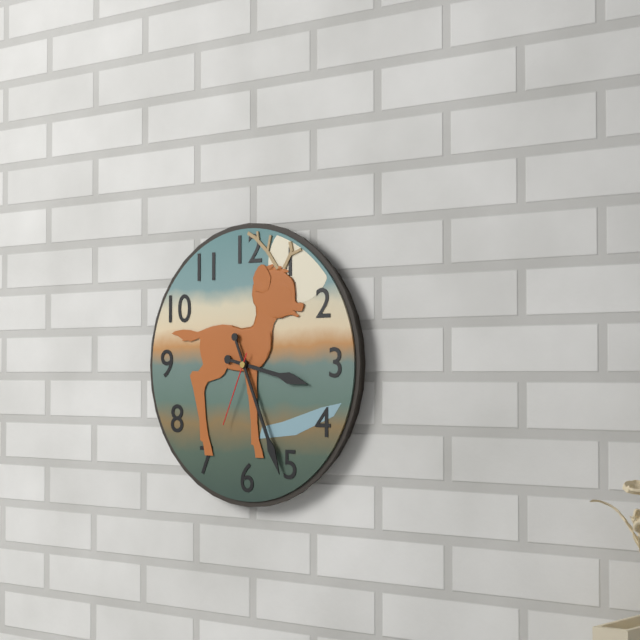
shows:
3,26,34
